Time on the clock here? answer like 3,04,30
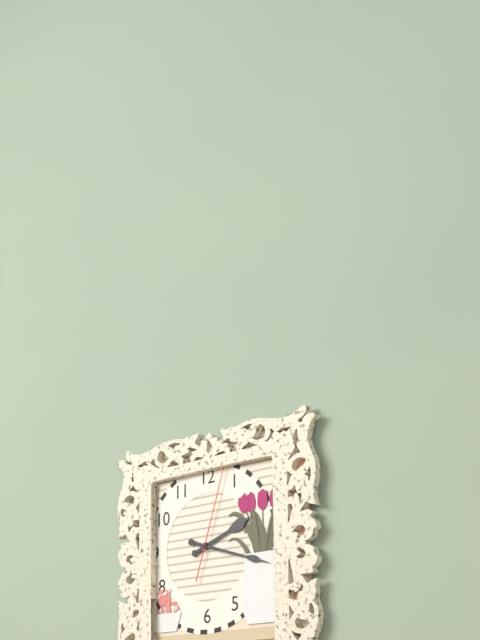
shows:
2,18,03
